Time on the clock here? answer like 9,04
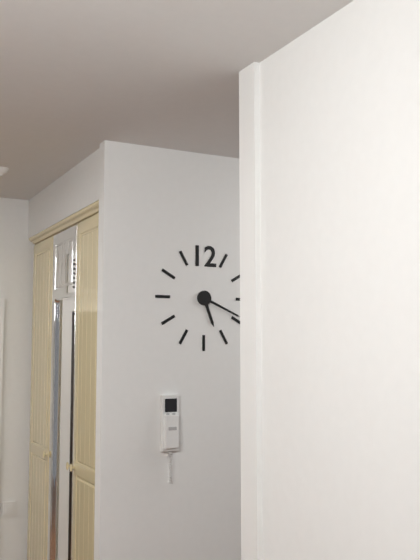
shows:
5,19
